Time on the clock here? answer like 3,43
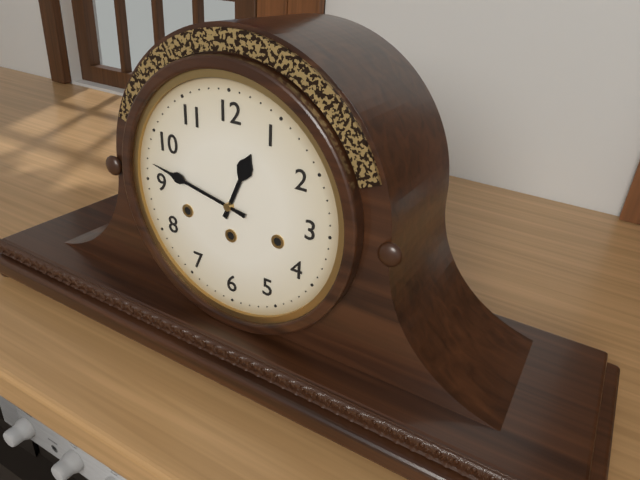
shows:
12,47
